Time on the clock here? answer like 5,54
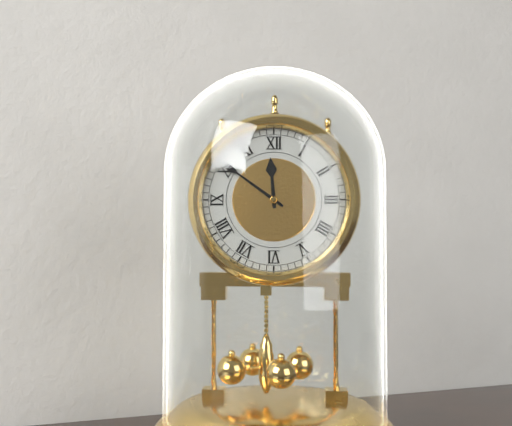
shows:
11,51
